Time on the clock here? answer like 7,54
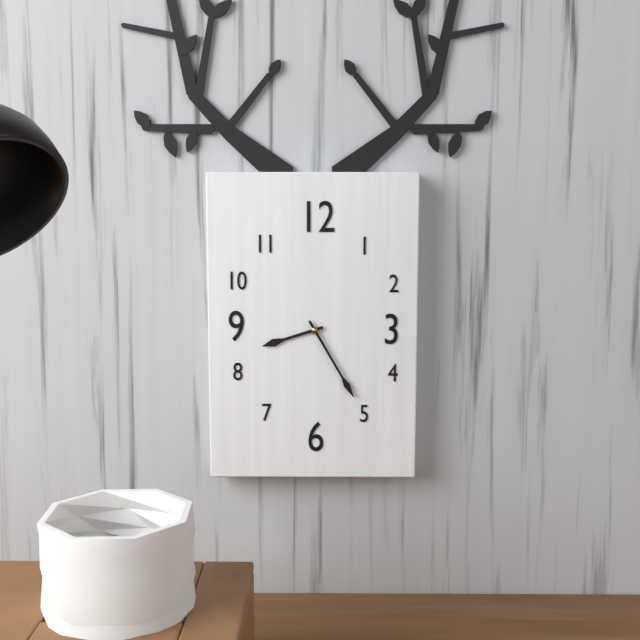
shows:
8,25
